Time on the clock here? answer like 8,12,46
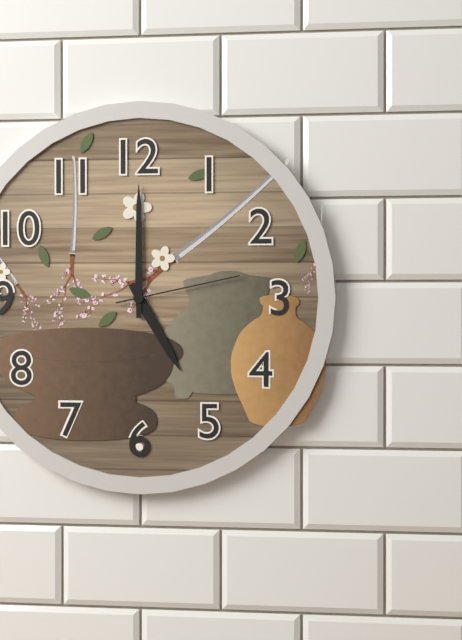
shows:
5,00,13
